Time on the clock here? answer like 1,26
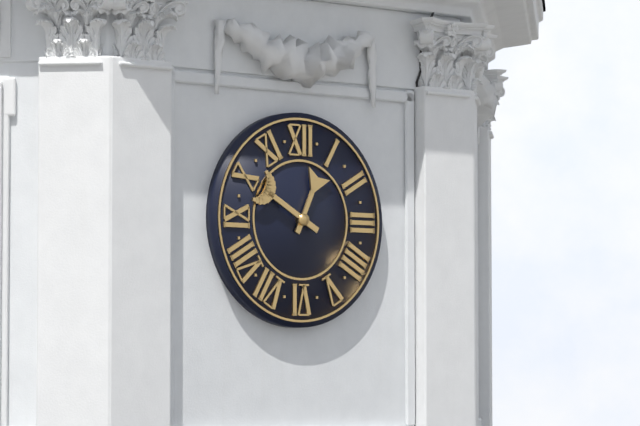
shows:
12,50
